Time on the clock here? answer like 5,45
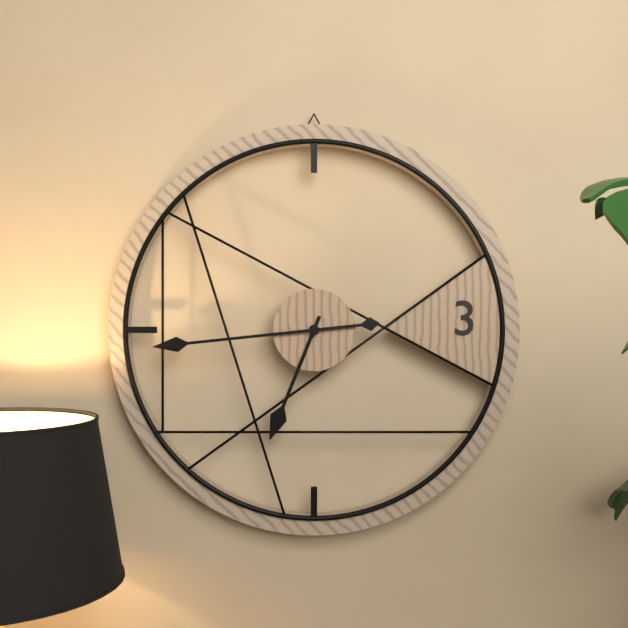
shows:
6,44
